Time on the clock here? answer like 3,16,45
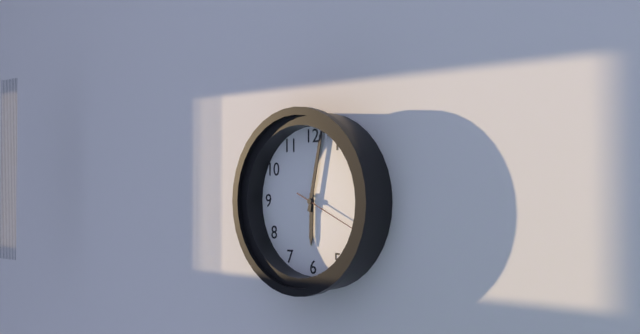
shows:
6,02,19
